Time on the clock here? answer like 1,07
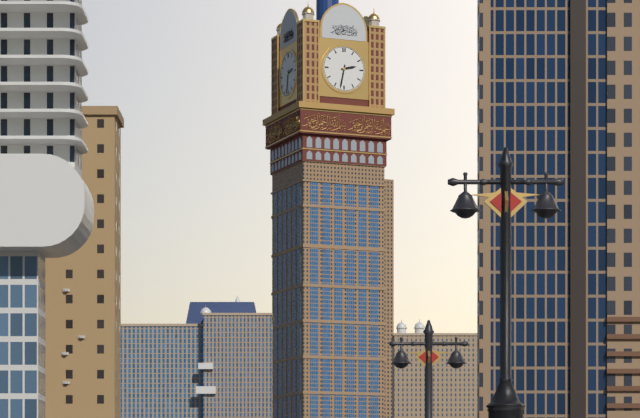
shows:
2,32
